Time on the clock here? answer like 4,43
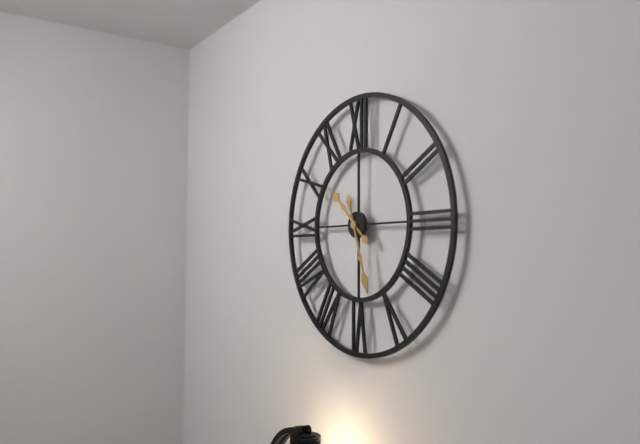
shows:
10,27
